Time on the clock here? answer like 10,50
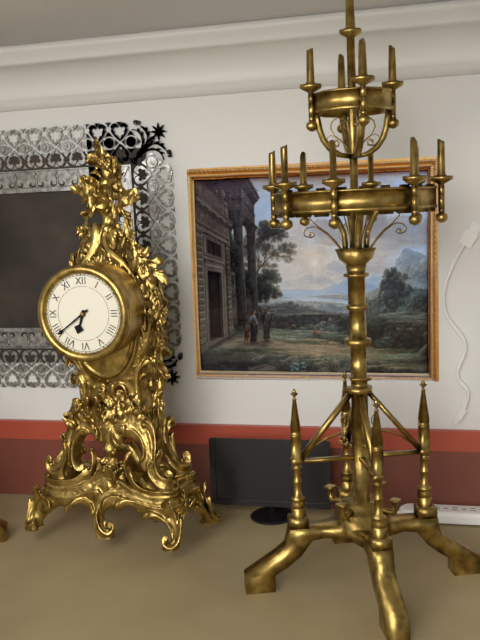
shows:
6,39
